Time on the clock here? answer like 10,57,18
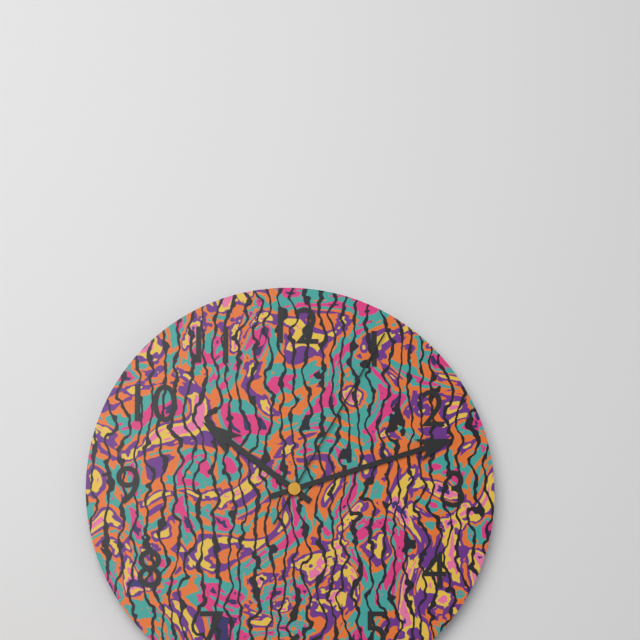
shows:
10,12,05
